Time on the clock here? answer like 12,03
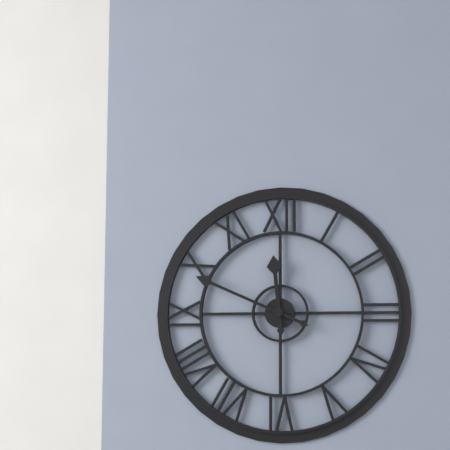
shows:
11,49
